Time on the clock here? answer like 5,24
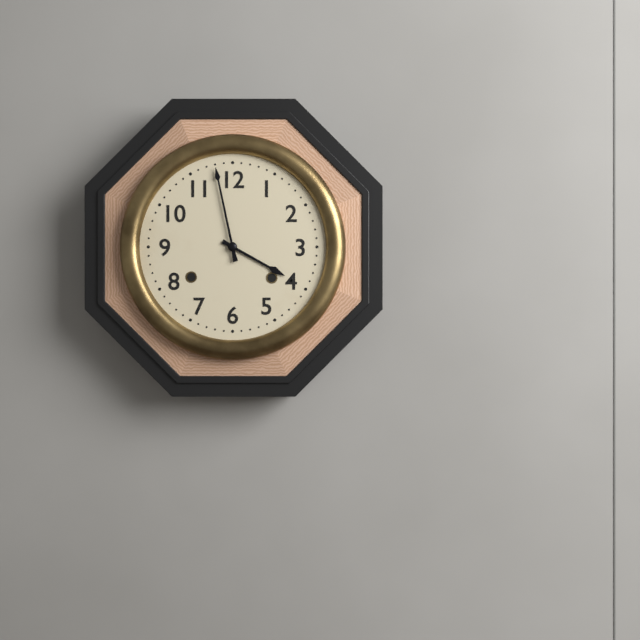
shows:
3,58
